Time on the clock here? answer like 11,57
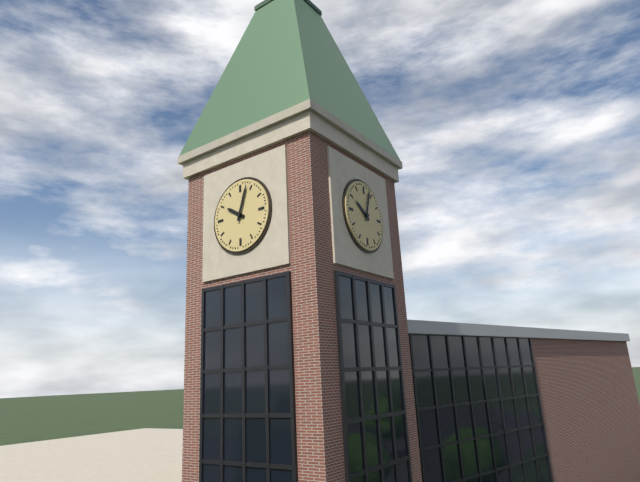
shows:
10,03
